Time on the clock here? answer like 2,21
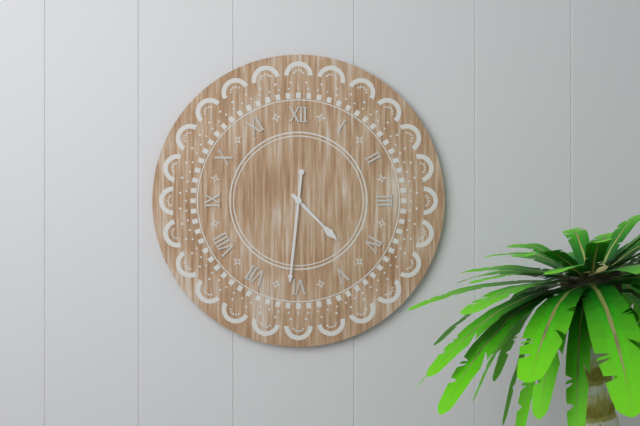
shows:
4,31
